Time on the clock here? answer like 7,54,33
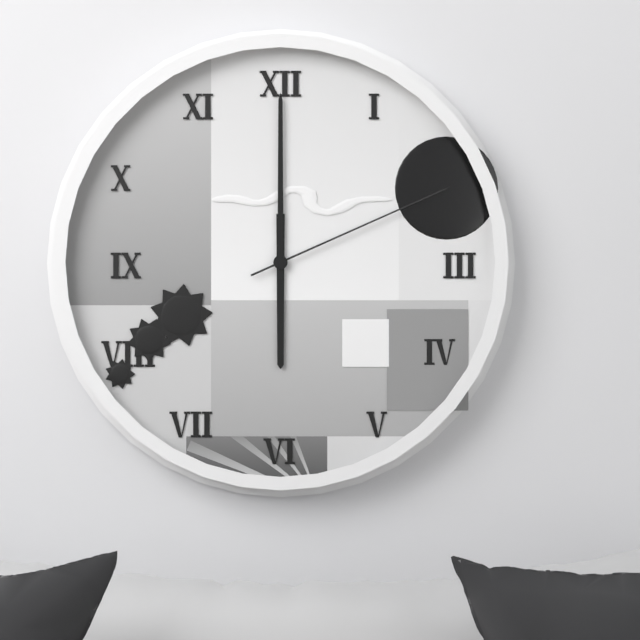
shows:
6,00,11
